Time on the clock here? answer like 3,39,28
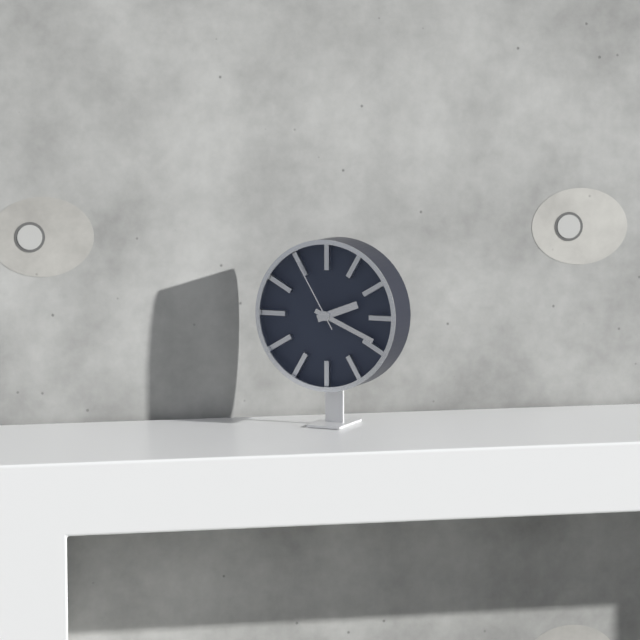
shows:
2,19,55
